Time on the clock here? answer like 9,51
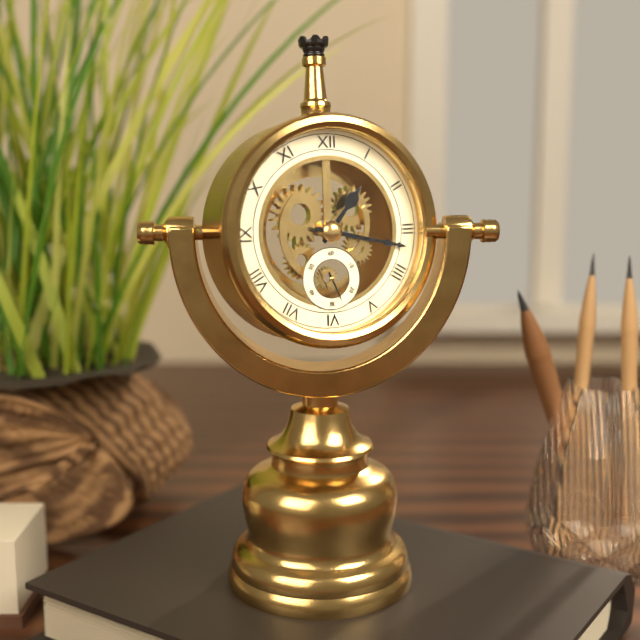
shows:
1,17
